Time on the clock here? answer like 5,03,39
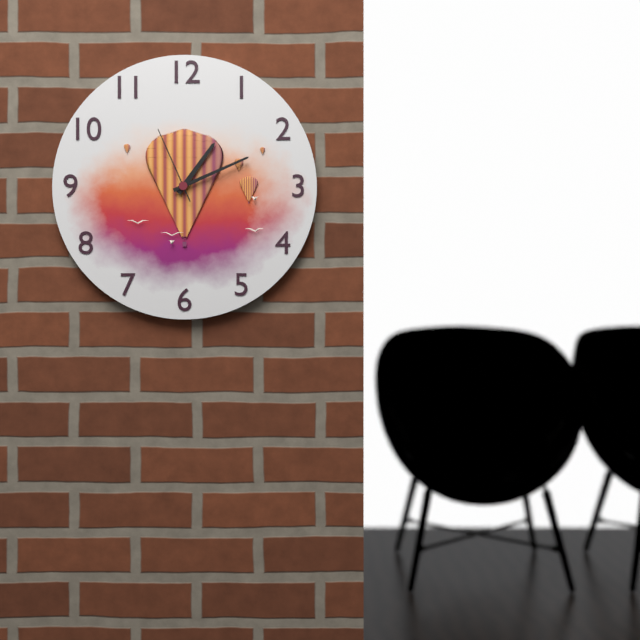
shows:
1,11,56
